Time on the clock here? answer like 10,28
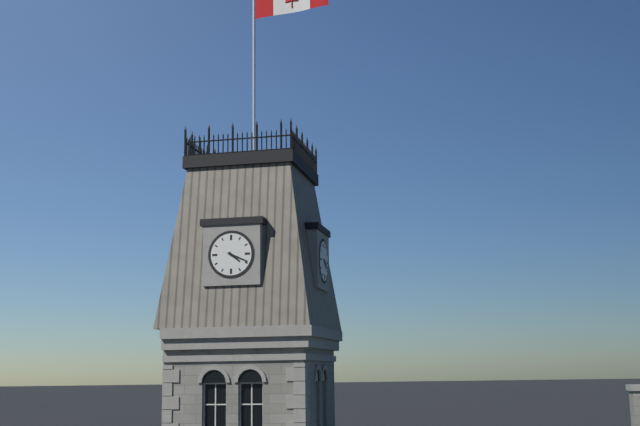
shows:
4,19
